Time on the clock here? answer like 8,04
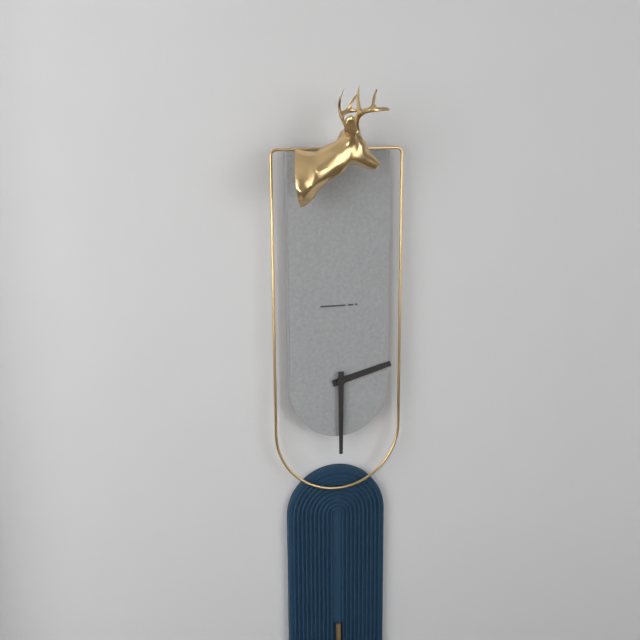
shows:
2,30
